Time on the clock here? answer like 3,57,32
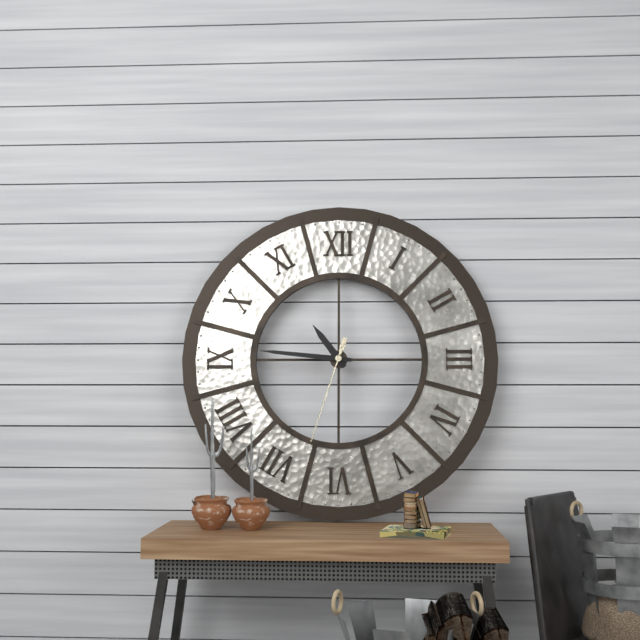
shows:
10,46,33
